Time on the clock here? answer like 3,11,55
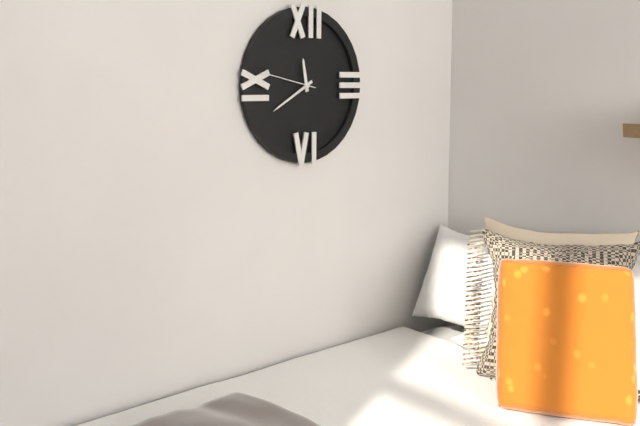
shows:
11,40,47
